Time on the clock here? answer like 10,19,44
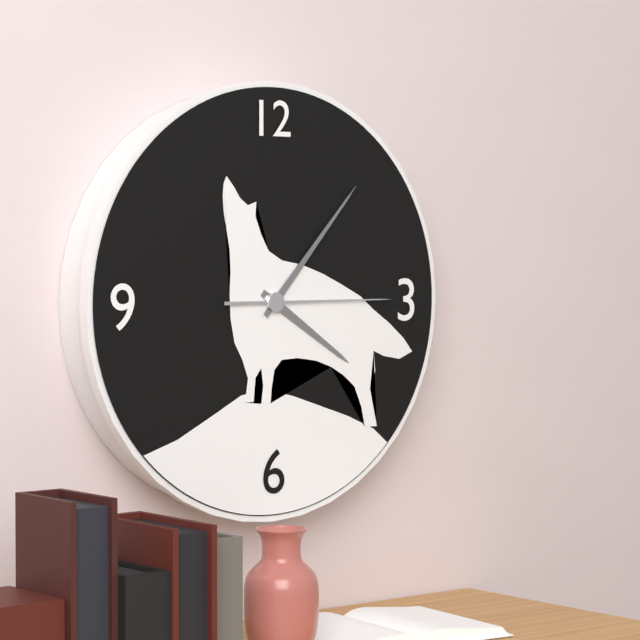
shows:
4,07,15
